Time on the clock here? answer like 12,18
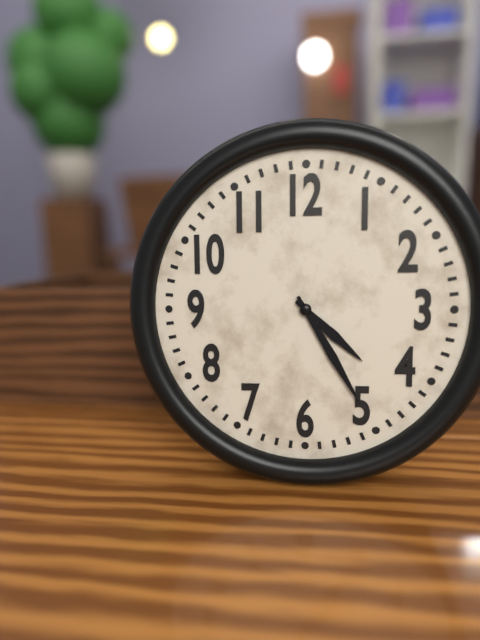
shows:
4,25
